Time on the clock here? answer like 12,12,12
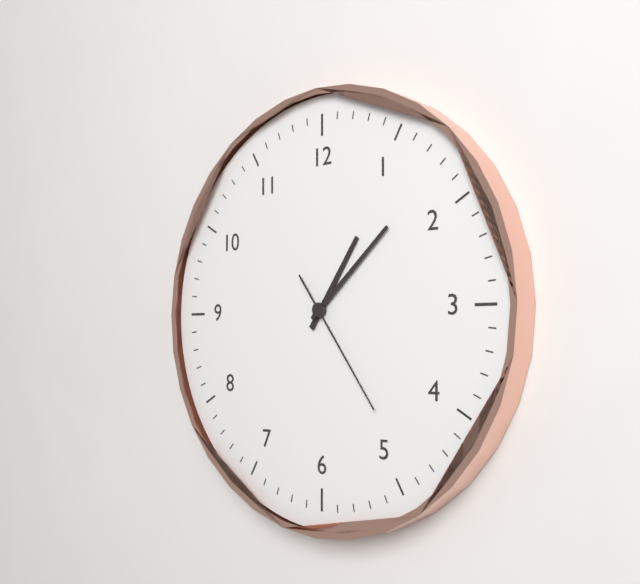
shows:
1,08,24
